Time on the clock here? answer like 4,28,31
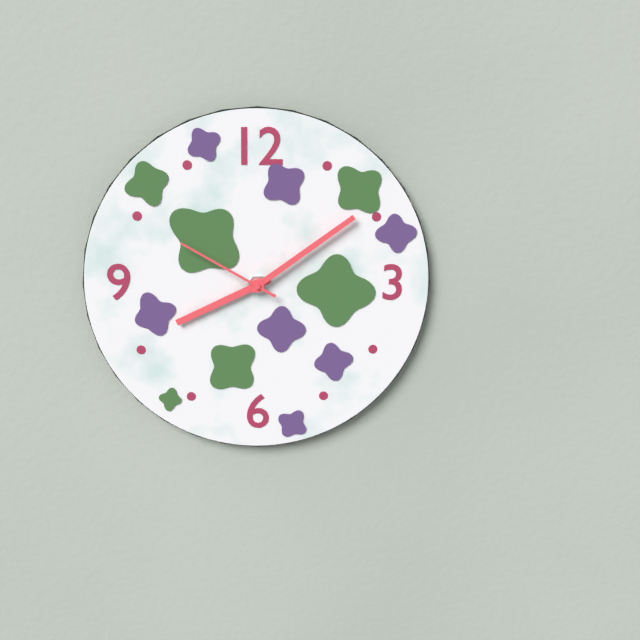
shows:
8,09,50
